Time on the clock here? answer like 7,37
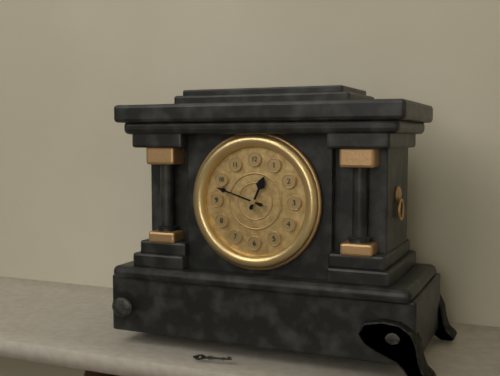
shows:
12,48
